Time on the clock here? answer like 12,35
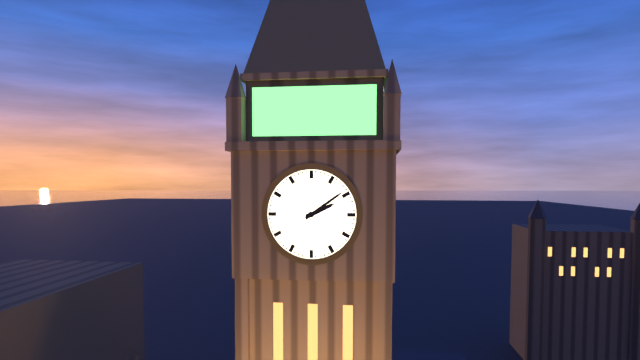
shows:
2,09
